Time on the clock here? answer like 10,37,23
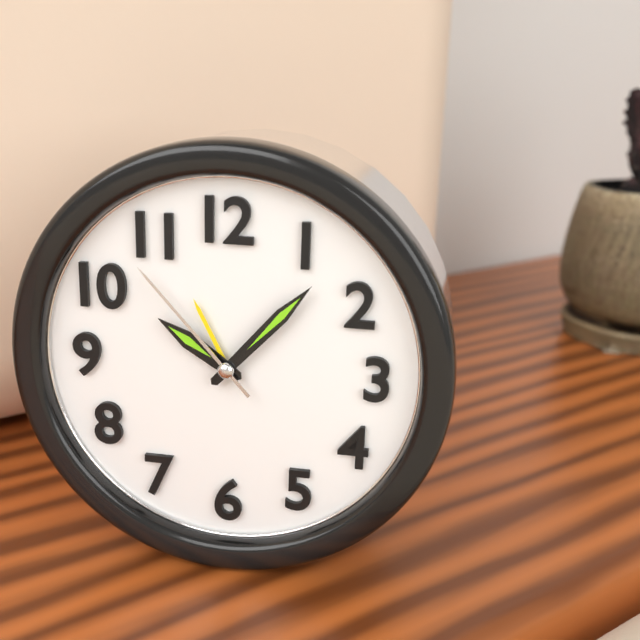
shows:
10,07,53
